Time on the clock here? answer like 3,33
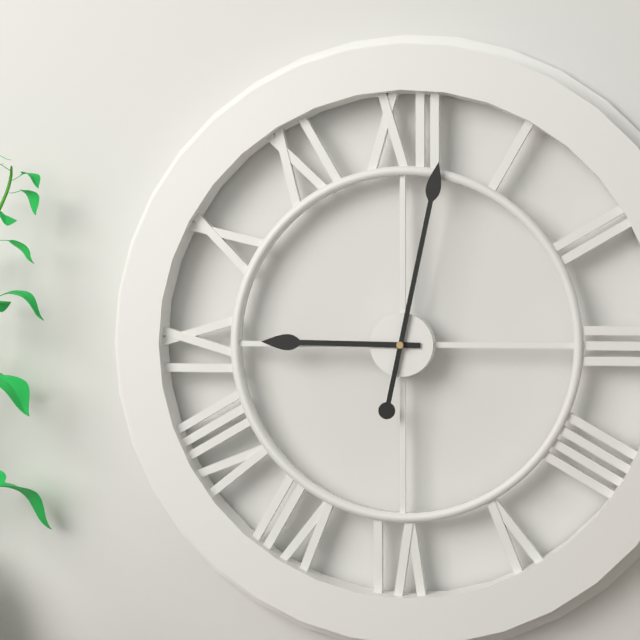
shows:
9,02
